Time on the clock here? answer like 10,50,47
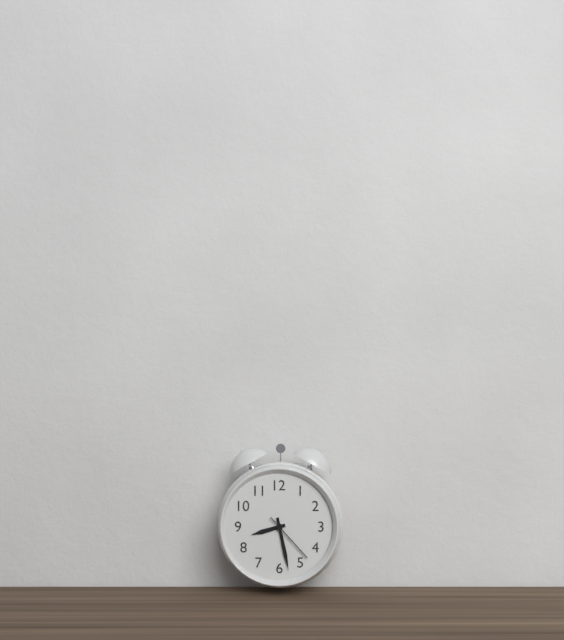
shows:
8,28,23
